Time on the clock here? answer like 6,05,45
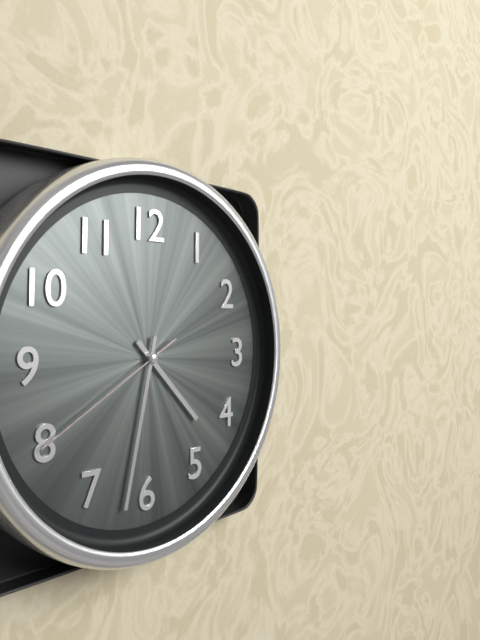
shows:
4,32,40
